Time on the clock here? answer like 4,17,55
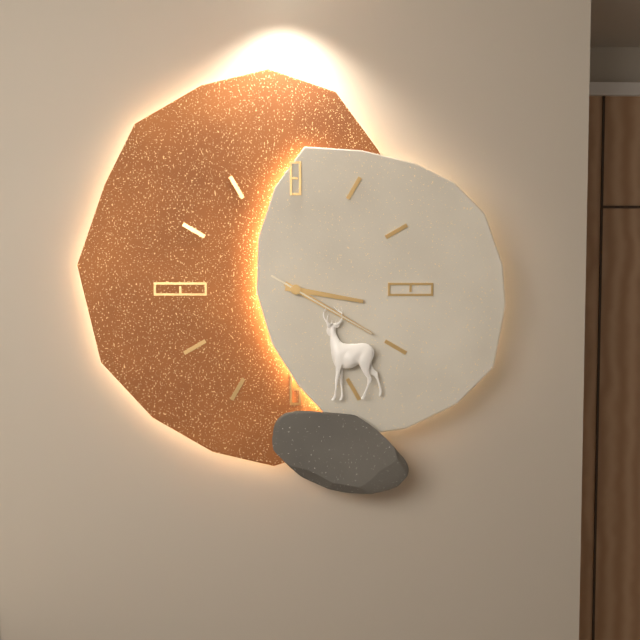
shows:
3,20,20
